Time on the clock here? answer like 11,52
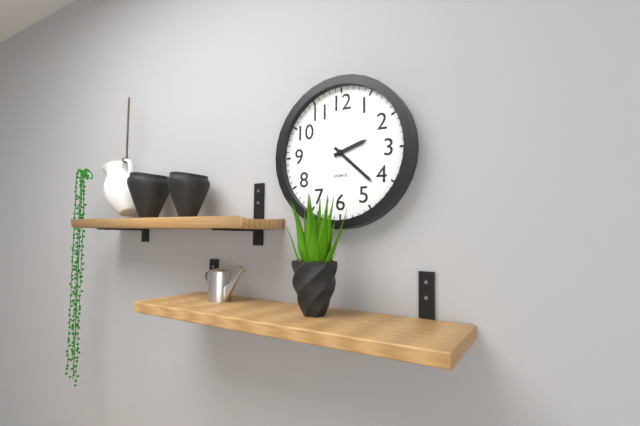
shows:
2,22
